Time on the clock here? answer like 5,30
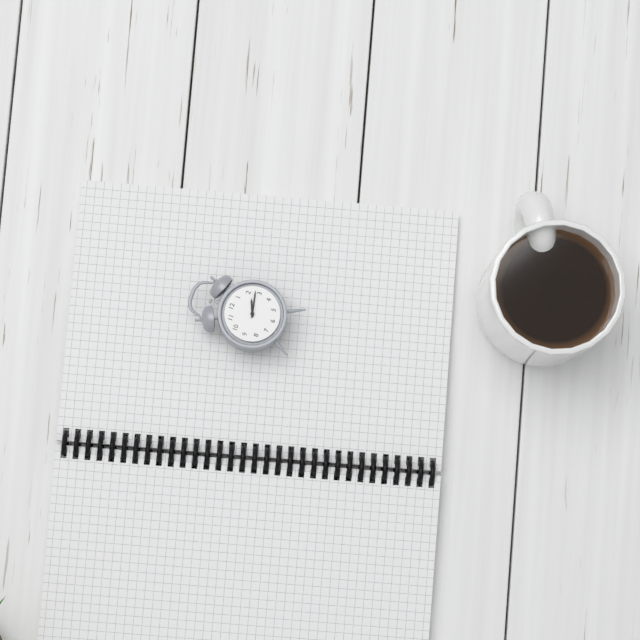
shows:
2,13
